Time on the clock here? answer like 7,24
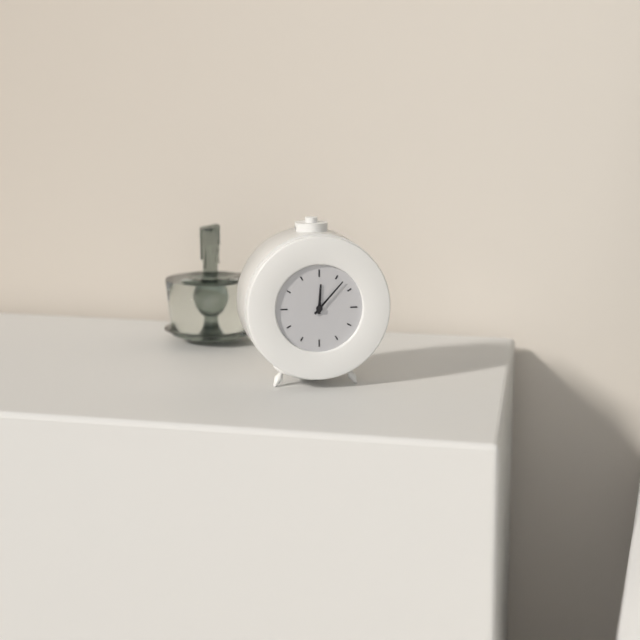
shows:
12,07
